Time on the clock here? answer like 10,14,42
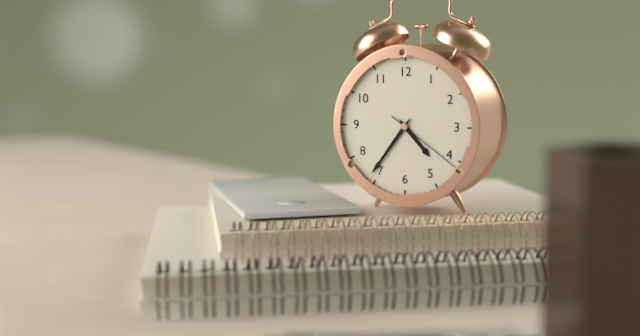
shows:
4,36,21
